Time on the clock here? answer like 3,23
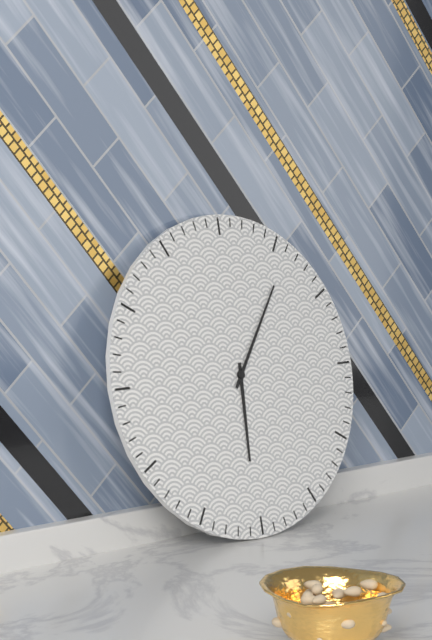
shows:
6,06
